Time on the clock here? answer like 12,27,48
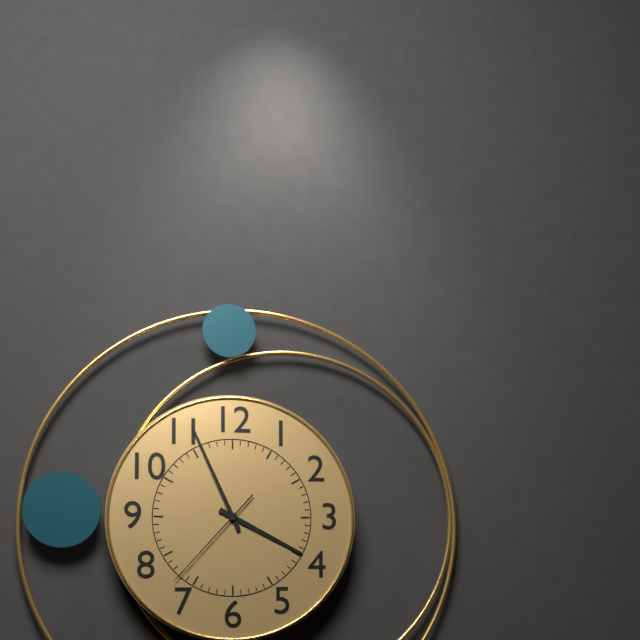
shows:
3,56,37
